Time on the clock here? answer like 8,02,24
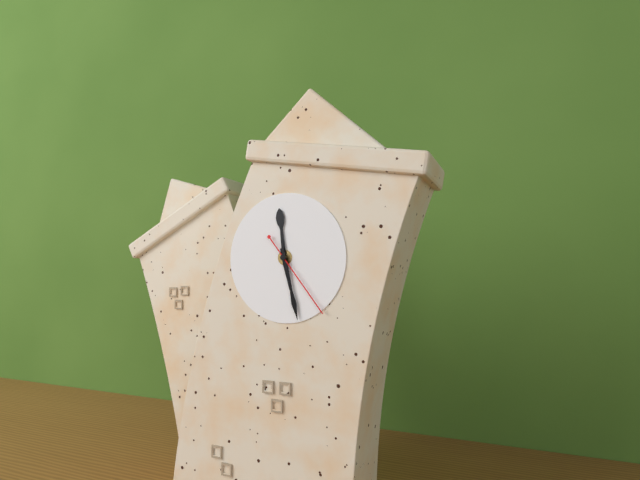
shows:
11,26,22
